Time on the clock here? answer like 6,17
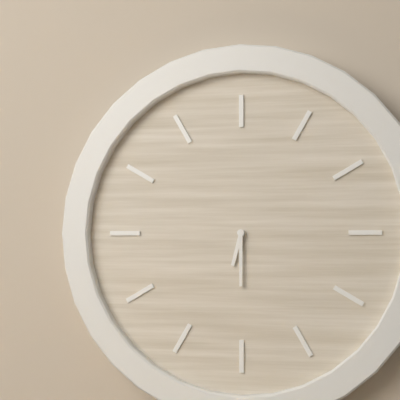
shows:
6,30
